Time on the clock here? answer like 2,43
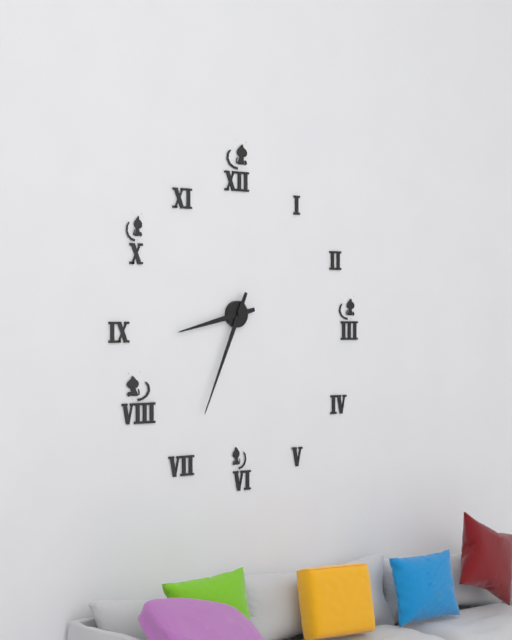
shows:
8,34
